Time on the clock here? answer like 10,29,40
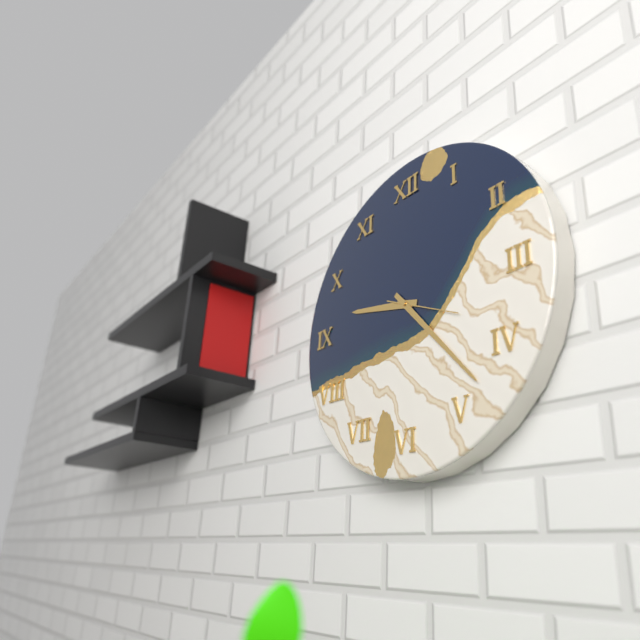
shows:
9,23,19
